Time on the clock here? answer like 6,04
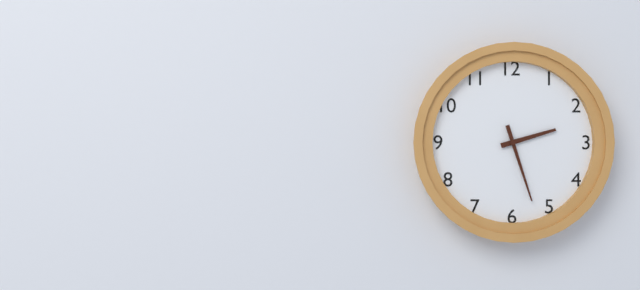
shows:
2,27
